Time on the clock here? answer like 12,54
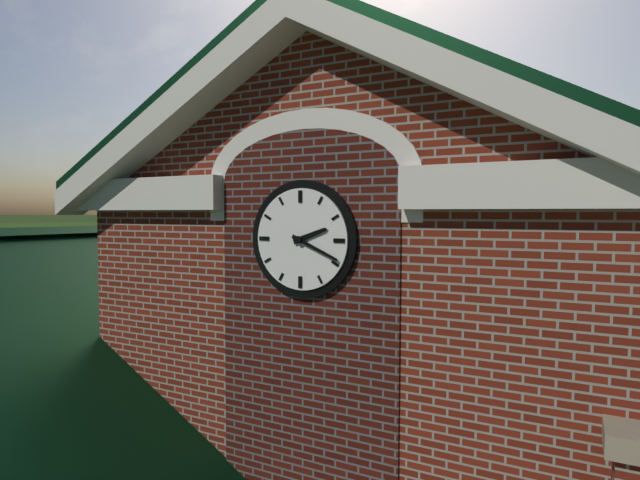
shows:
2,19
